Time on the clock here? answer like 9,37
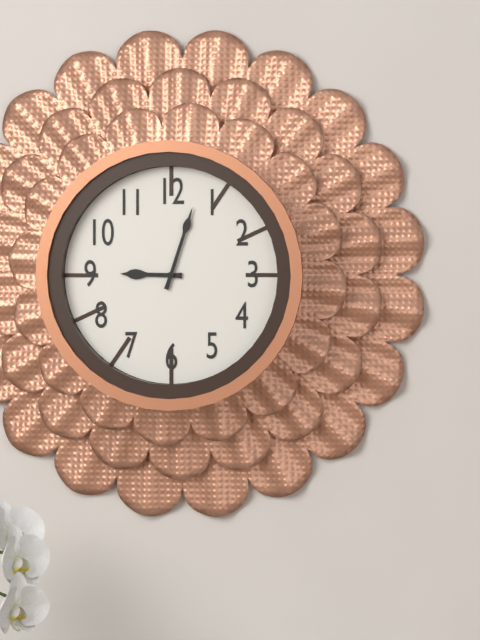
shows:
9,03
